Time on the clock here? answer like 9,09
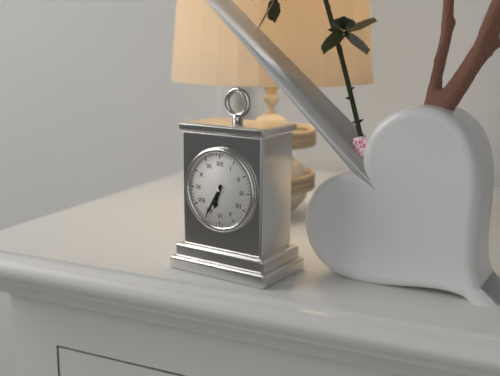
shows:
6,35
